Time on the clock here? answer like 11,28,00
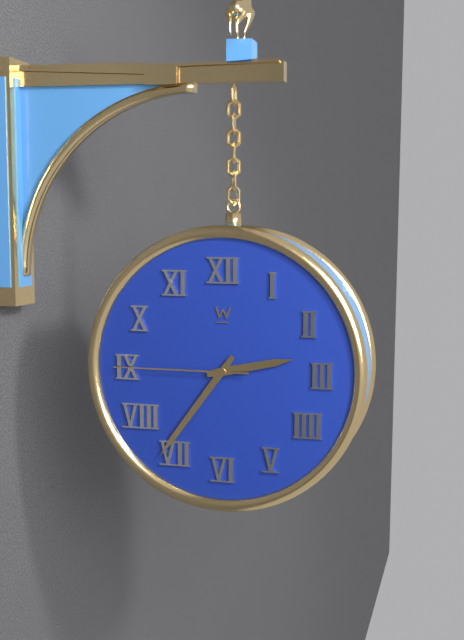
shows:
2,36,45
